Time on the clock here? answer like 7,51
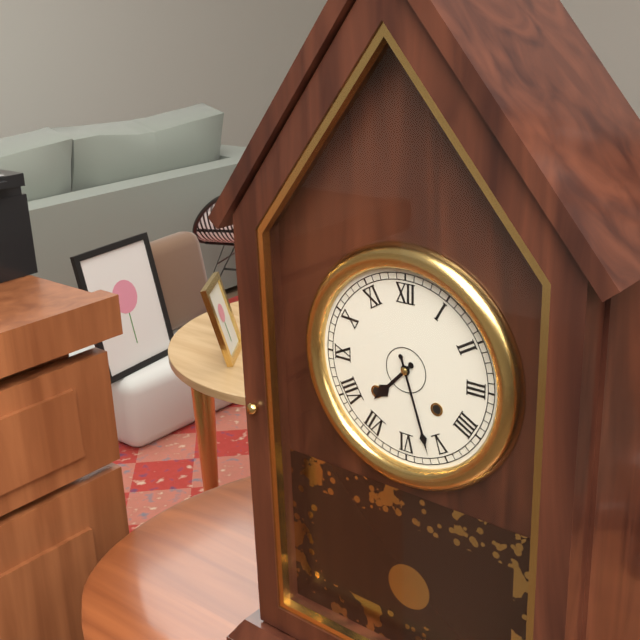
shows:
7,27
